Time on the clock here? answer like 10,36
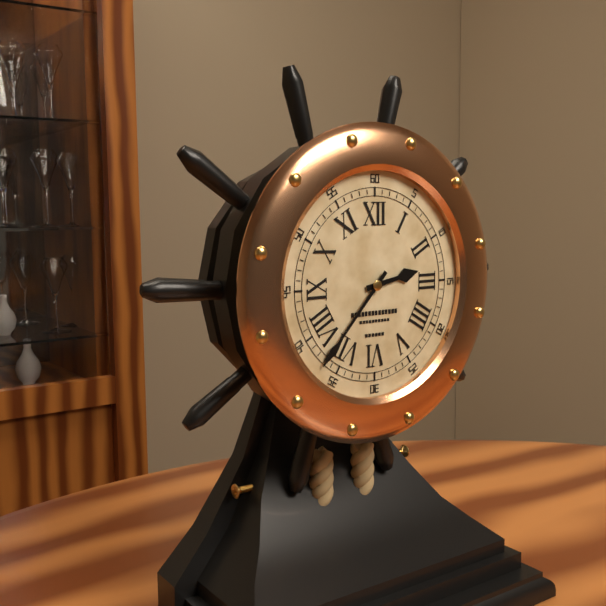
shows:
2,37
